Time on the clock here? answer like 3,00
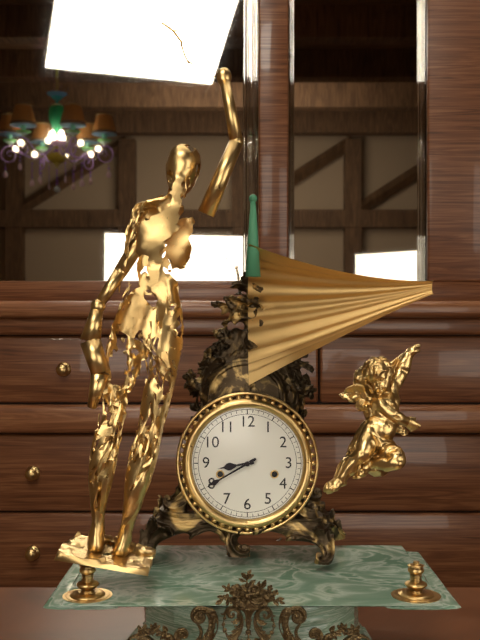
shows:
8,40
